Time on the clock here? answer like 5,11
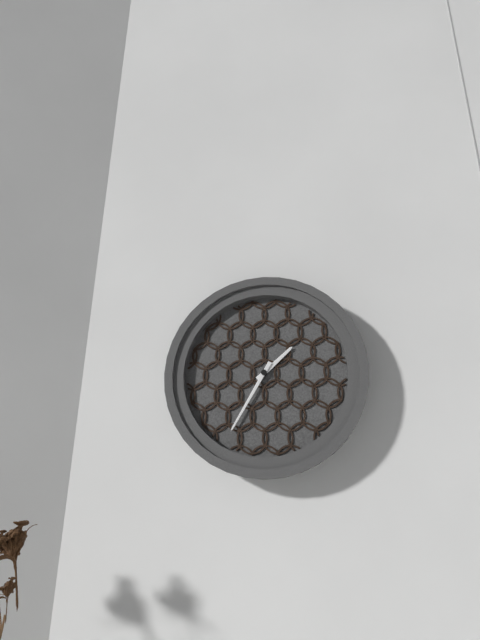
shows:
1,35
